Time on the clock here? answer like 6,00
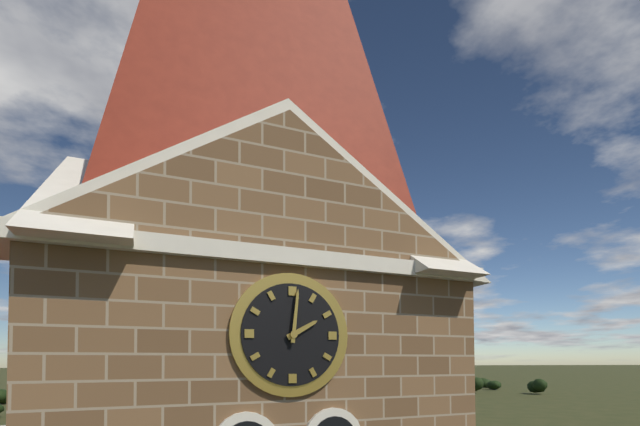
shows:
2,01
